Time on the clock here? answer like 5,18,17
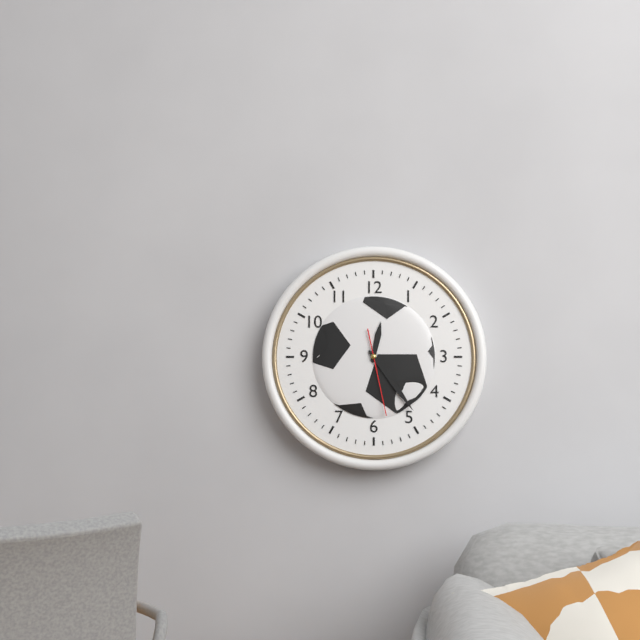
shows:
12,24,28
